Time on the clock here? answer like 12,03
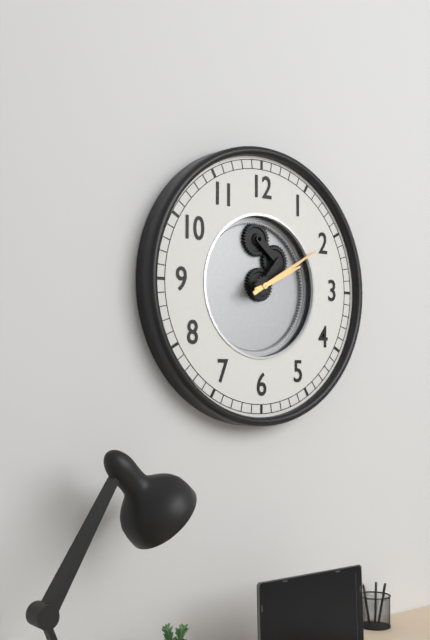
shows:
2,10
